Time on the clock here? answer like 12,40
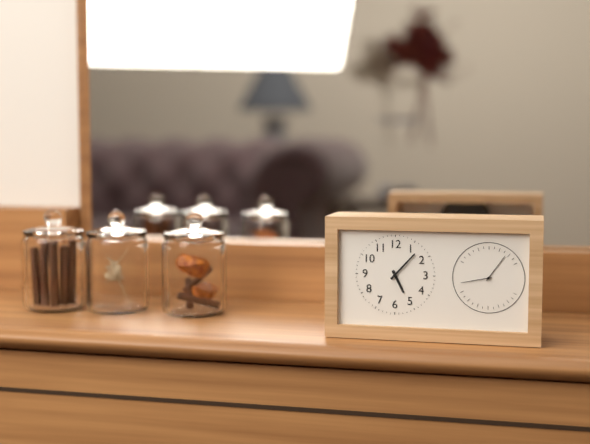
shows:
5,07
